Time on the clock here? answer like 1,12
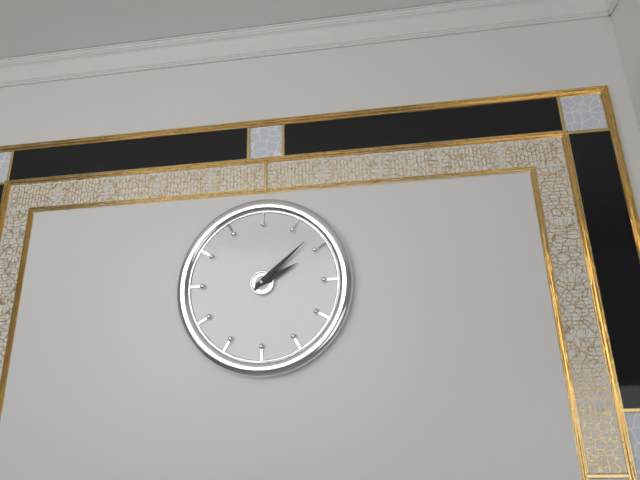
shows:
2,08
